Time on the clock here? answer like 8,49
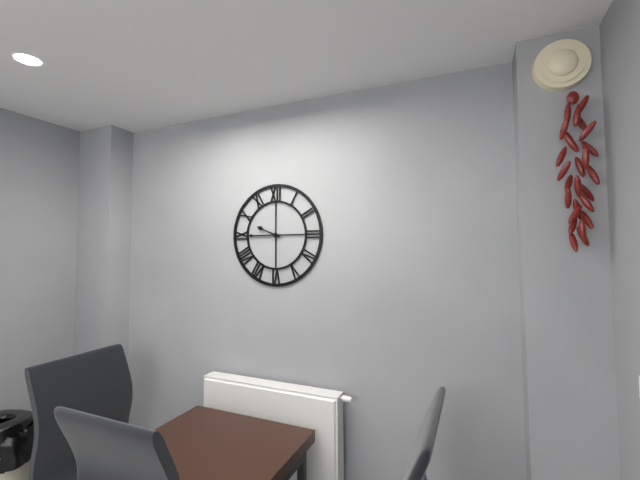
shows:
9,45
